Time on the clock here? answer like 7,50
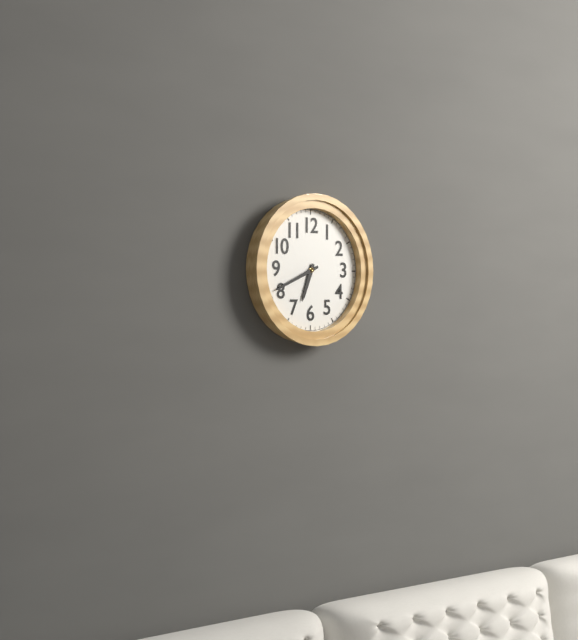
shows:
6,41
